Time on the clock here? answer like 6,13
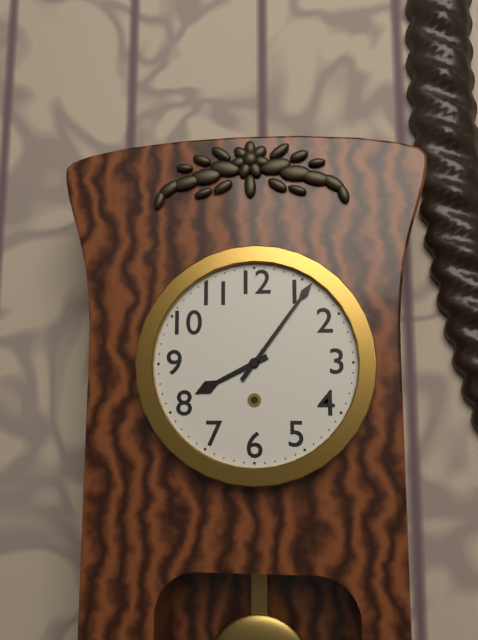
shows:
8,06
